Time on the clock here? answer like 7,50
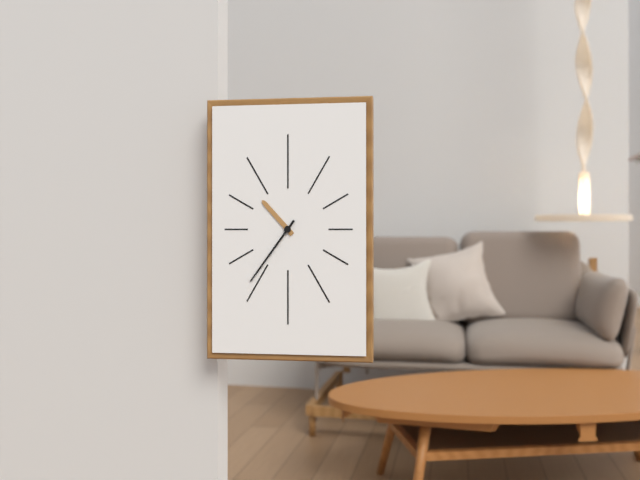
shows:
10,36
